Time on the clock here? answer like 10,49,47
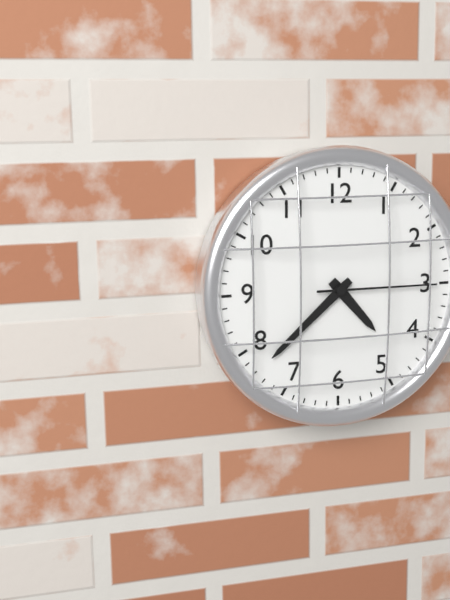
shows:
4,38,15
